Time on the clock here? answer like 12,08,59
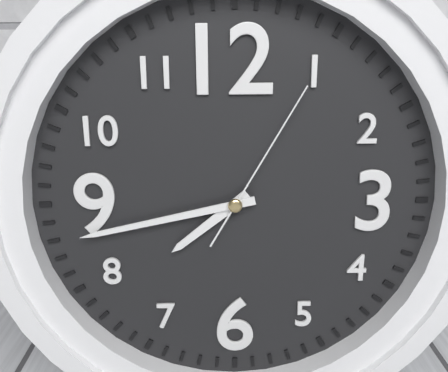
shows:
7,43,05
